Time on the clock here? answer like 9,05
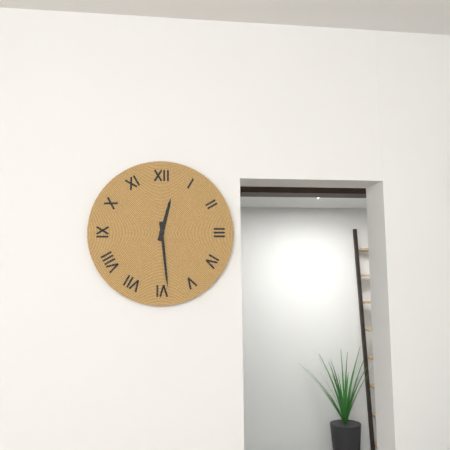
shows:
12,29
